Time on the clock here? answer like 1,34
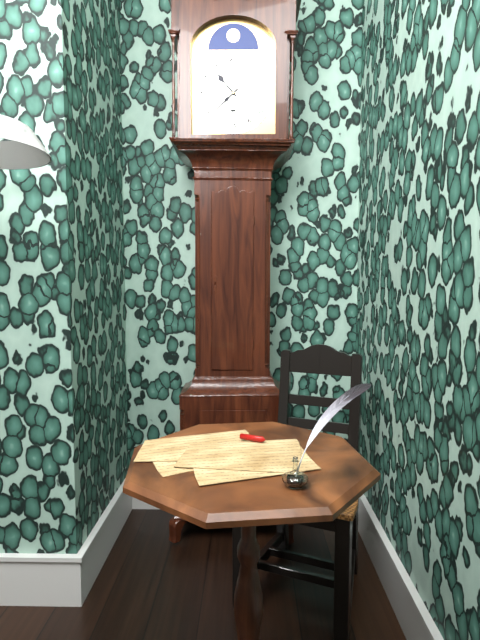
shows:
10,38
